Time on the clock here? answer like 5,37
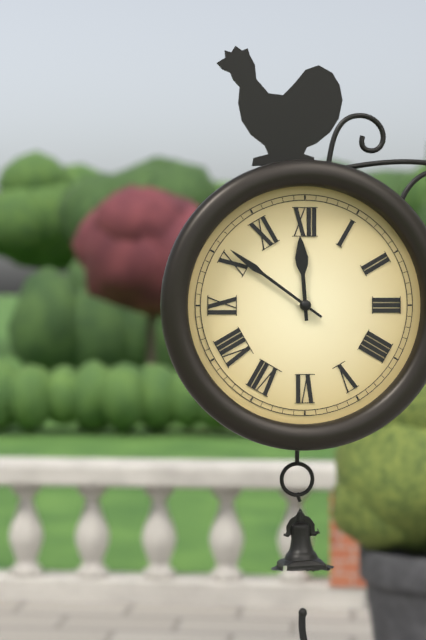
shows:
11,51
